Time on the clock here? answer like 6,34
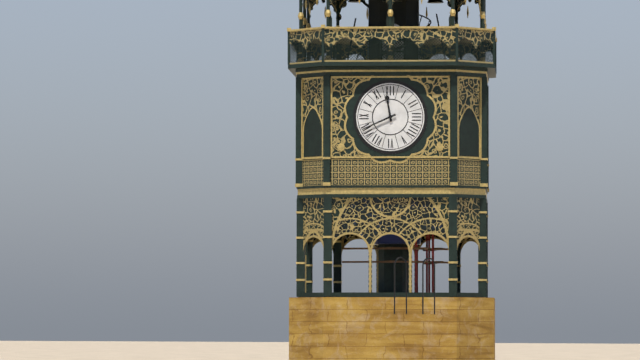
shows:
11,41
